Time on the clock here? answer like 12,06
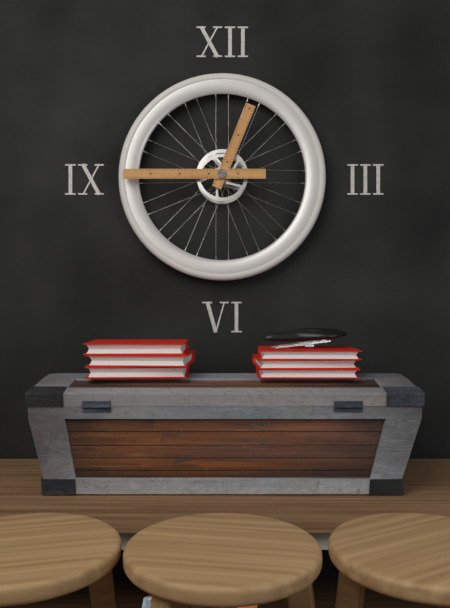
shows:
12,45
